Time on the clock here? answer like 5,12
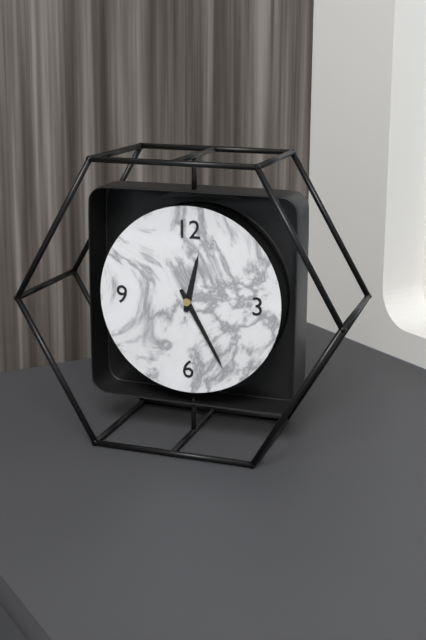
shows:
12,25
